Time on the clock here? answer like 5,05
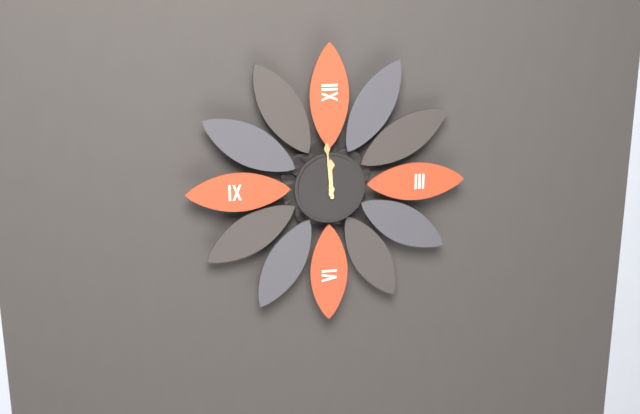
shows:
11,59
